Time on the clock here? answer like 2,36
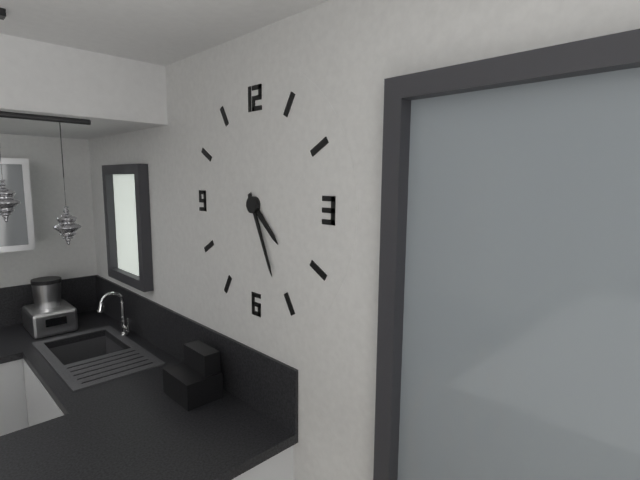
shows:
4,26
